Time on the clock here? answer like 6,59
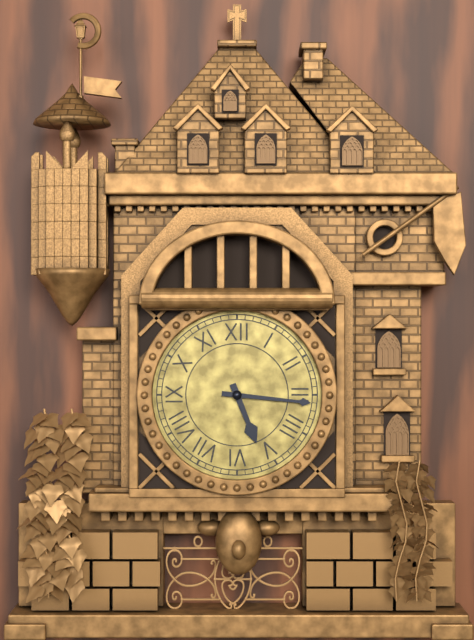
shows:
5,16
